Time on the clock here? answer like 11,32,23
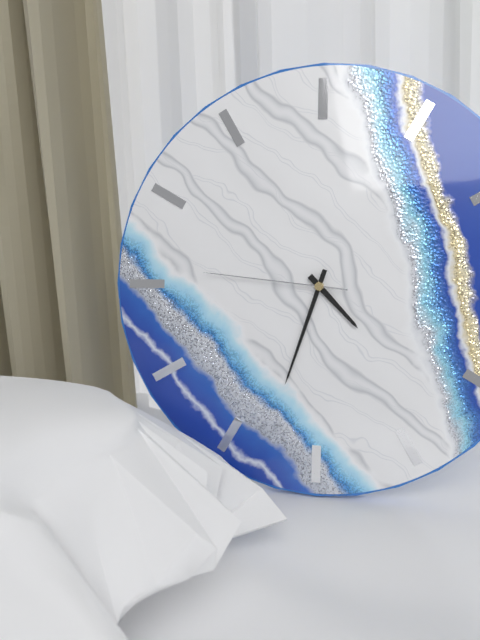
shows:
4,33,46
